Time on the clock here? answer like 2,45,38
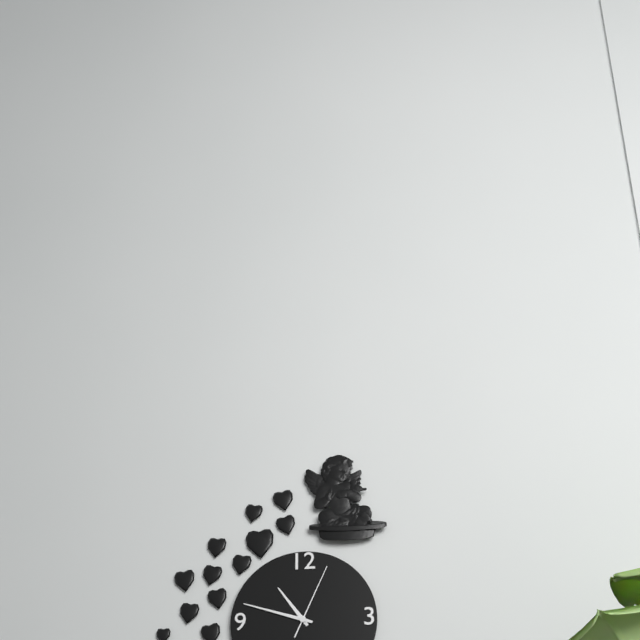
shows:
10,48,04
